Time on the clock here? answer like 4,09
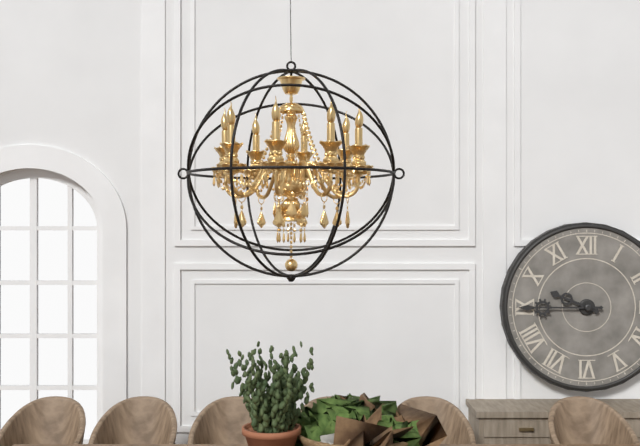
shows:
9,45
